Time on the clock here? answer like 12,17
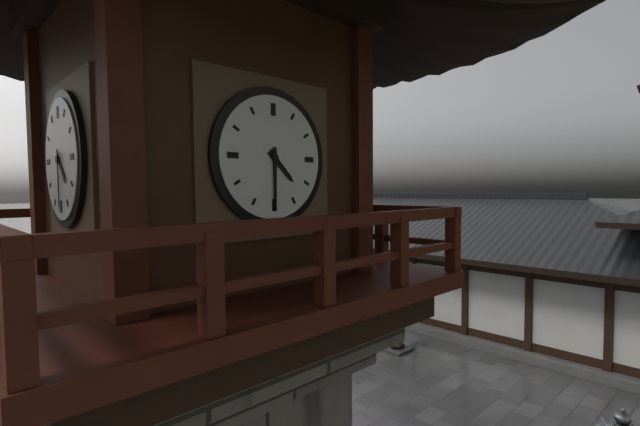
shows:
4,30
